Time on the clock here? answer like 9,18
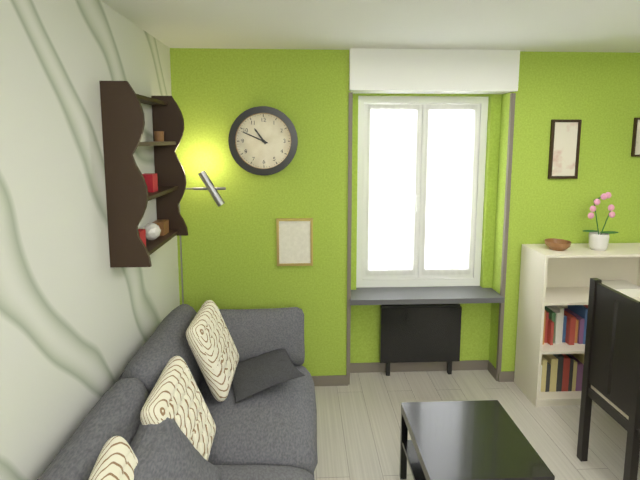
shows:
10,49
